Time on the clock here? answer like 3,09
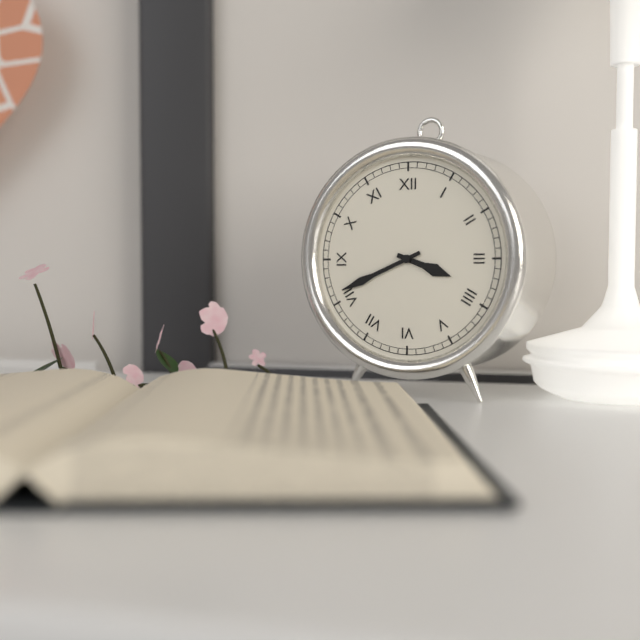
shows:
3,41
